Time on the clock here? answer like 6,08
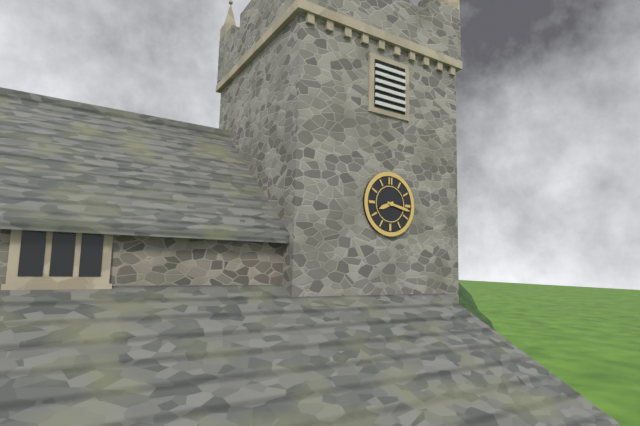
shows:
8,17
